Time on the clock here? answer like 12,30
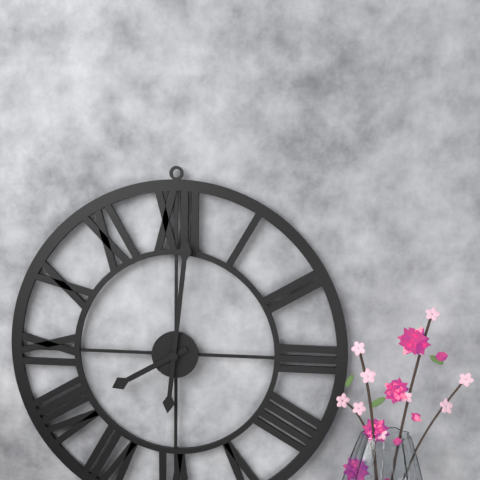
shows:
8,01
